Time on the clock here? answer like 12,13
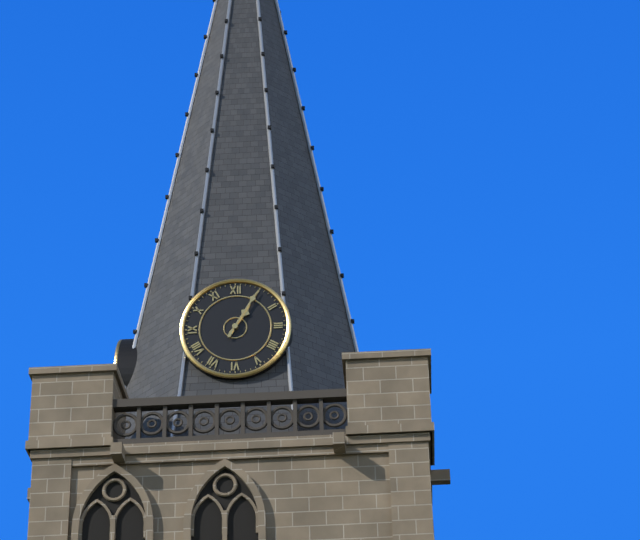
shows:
1,05
